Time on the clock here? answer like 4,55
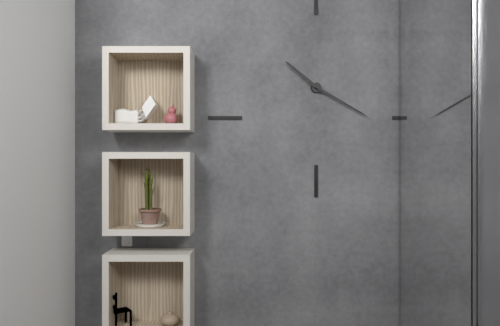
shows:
10,20
